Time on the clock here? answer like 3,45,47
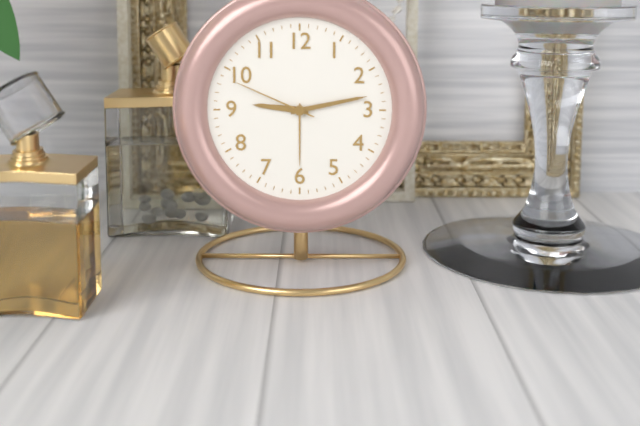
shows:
9,13,49
